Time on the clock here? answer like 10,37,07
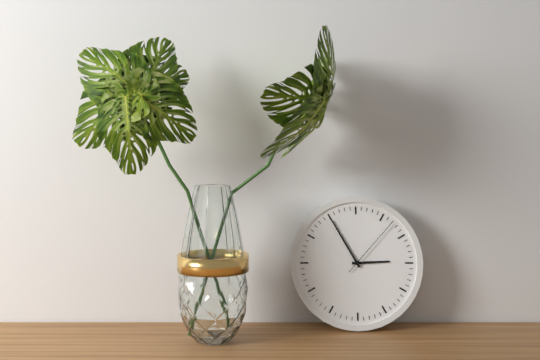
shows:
2,55,07
